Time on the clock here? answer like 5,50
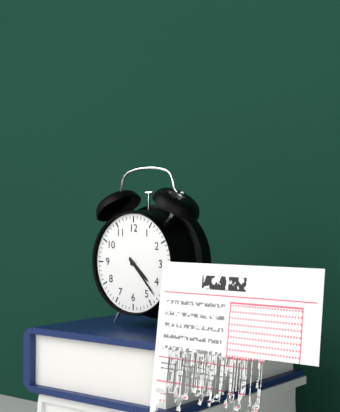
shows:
4,23
